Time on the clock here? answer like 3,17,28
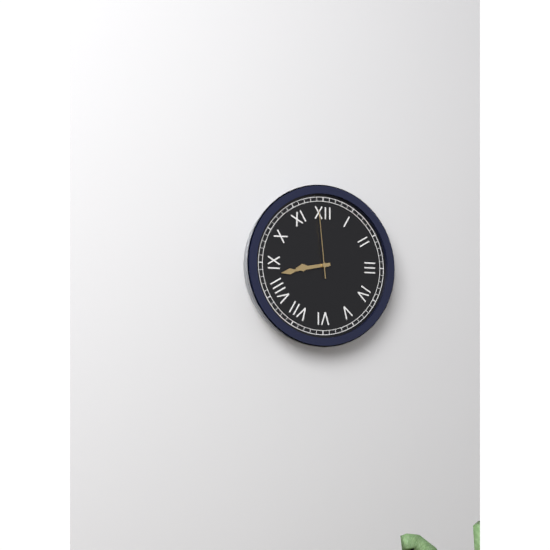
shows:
8,43,59
